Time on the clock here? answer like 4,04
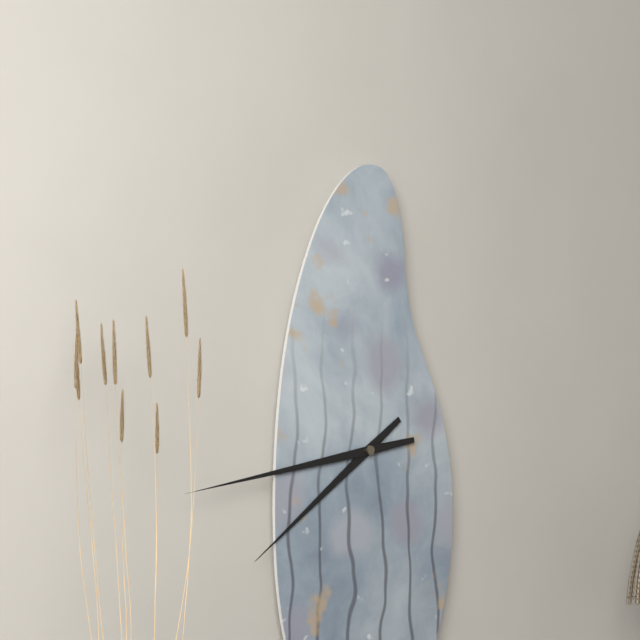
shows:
7,43
